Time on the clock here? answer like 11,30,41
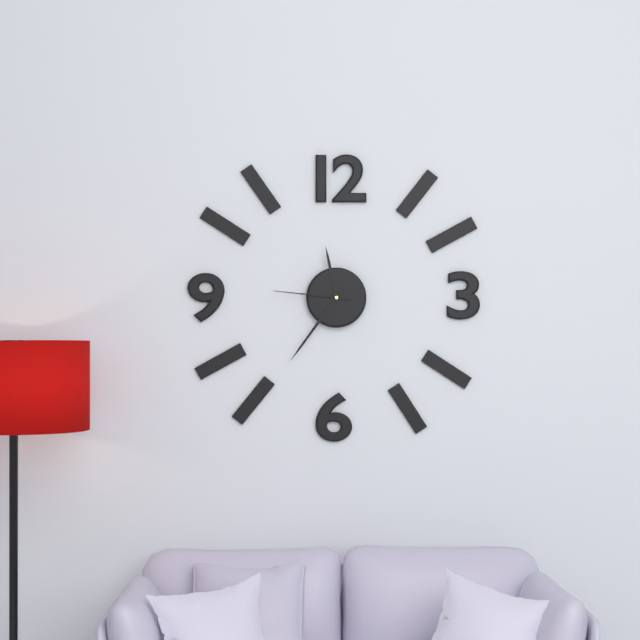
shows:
11,36,46
